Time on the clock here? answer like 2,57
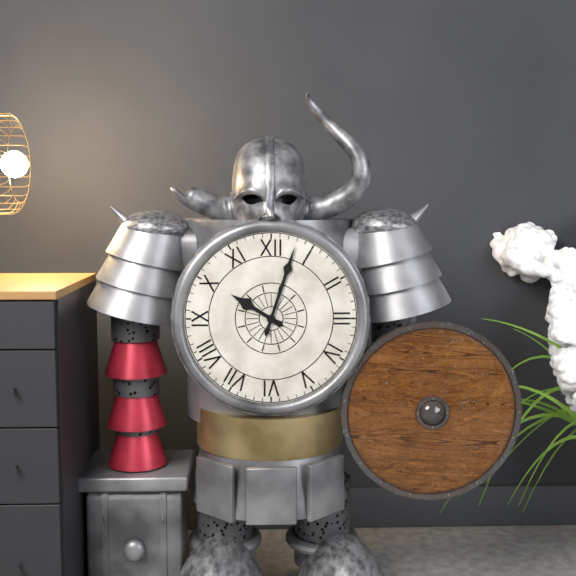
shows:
10,03
